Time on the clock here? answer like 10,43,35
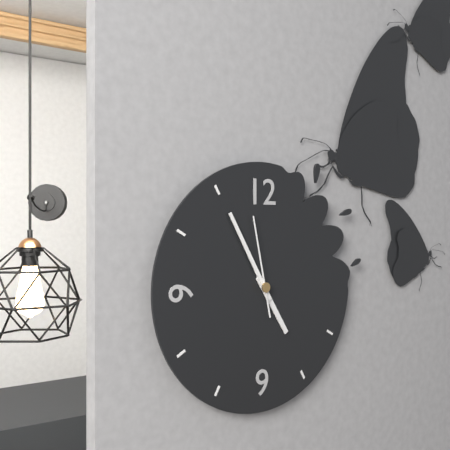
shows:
4,55,58
